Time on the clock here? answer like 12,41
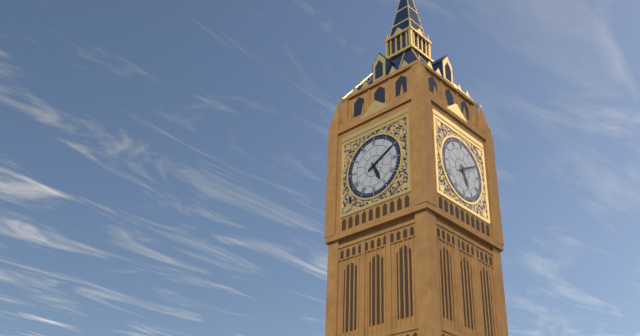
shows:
5,10
